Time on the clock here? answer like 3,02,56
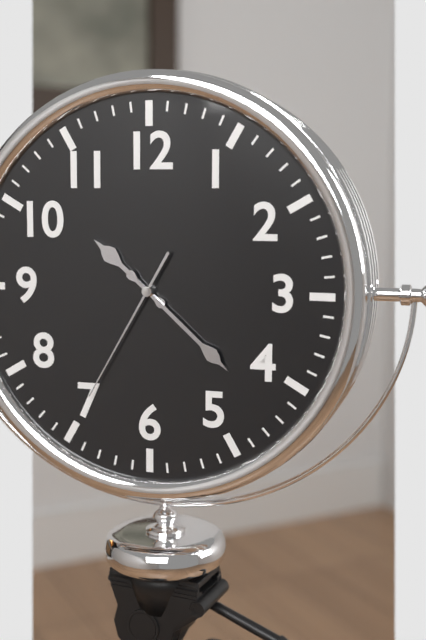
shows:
10,22,35
